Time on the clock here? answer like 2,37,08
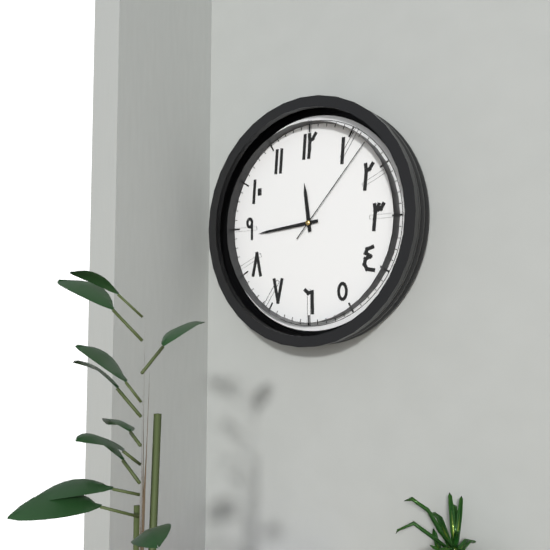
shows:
11,44,07
